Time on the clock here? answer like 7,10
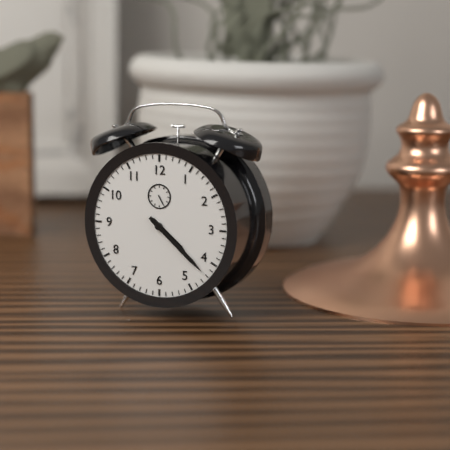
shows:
4,22
